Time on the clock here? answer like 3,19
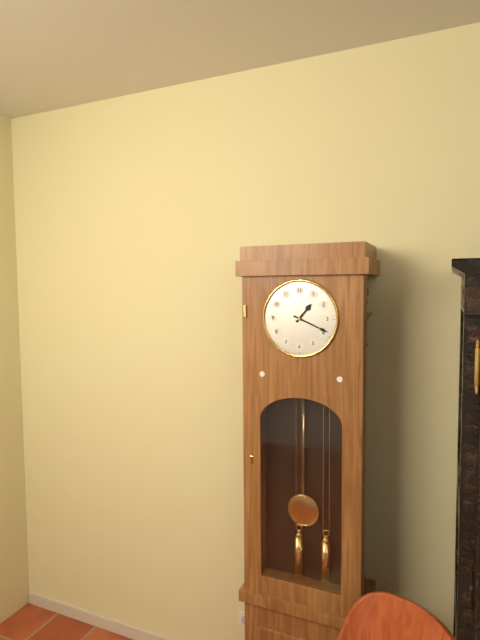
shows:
1,19
